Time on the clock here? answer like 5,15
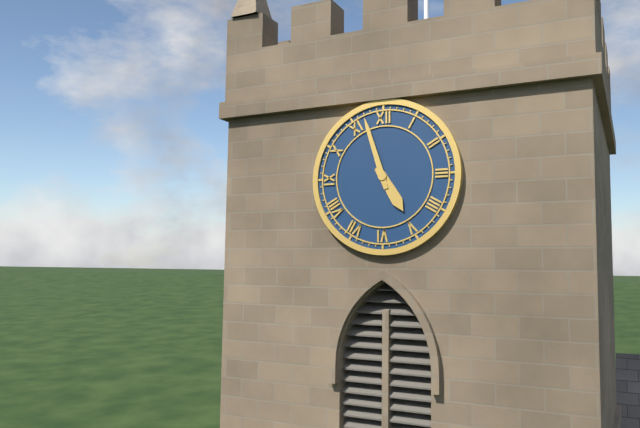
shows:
4,57
